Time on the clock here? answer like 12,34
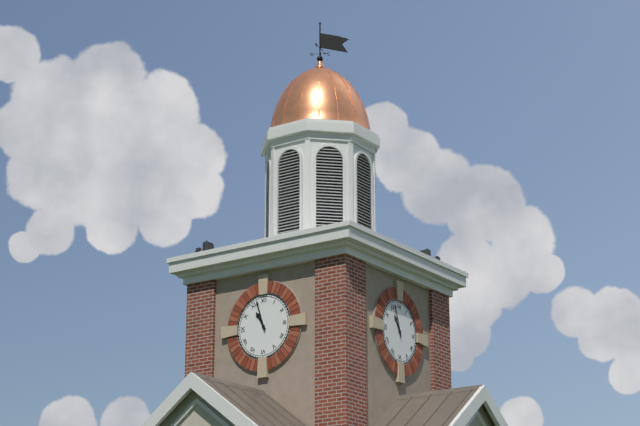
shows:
10,57
